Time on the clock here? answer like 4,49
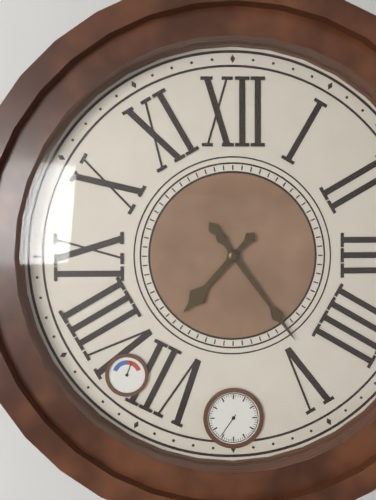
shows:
7,24
